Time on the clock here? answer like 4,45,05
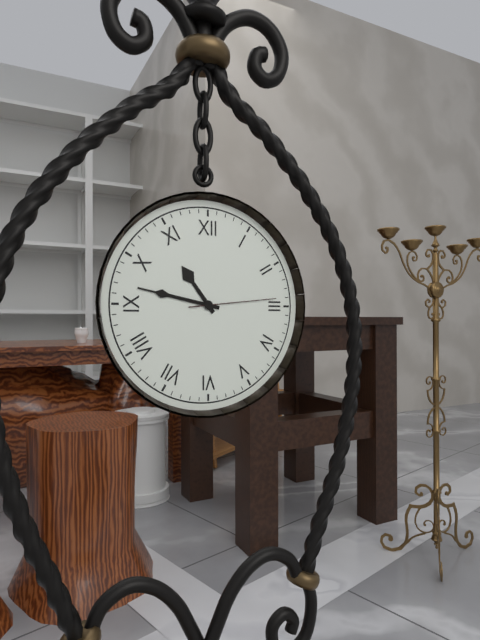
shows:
10,47,14
